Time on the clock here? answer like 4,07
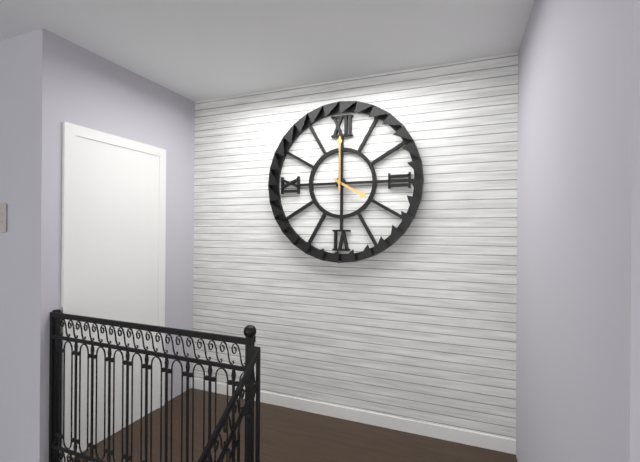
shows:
4,00
